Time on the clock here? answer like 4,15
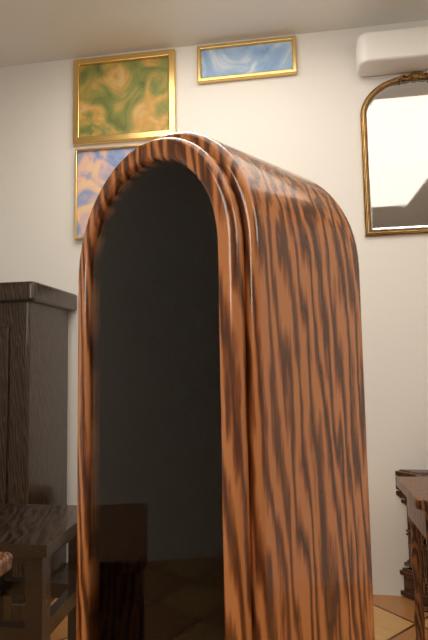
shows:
12,00
